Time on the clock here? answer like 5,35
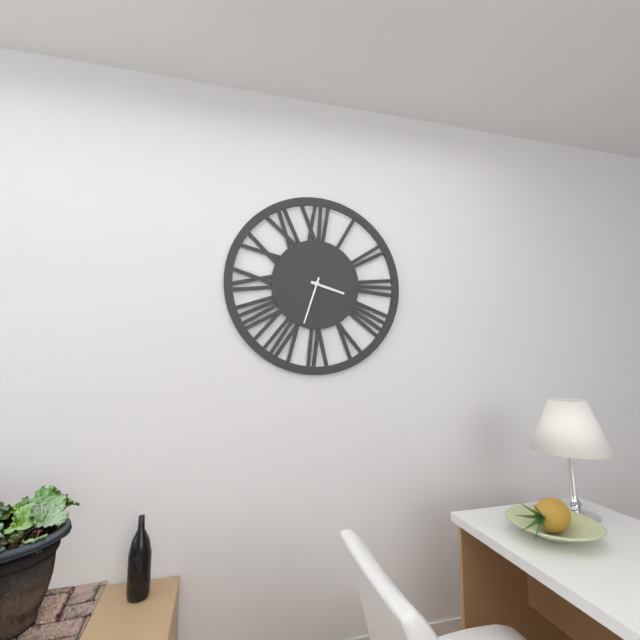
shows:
3,33
